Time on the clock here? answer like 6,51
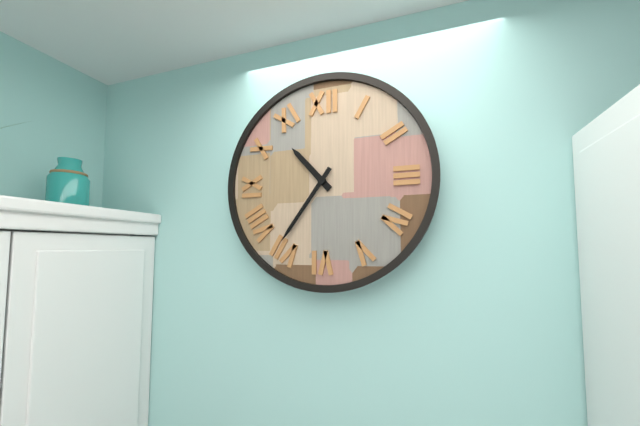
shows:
10,36
